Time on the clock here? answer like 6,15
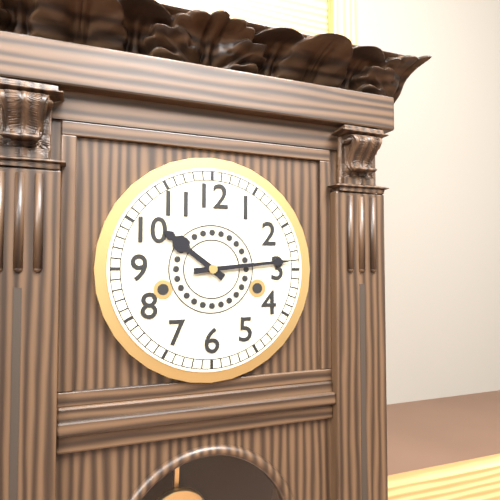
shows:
10,14
